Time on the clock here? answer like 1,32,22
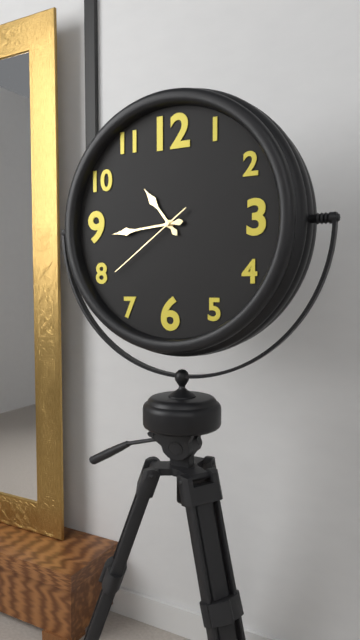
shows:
10,44,39
